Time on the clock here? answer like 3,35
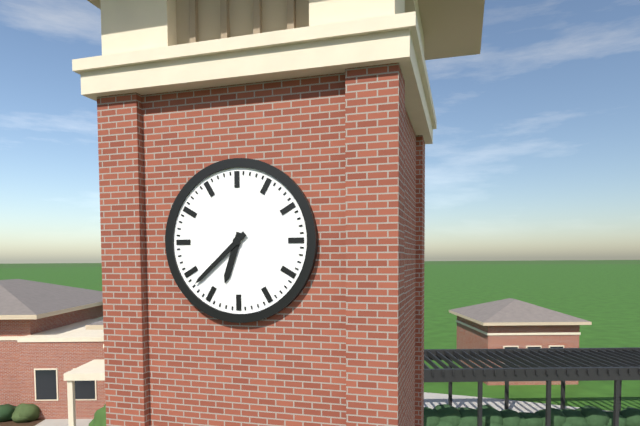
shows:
6,38
